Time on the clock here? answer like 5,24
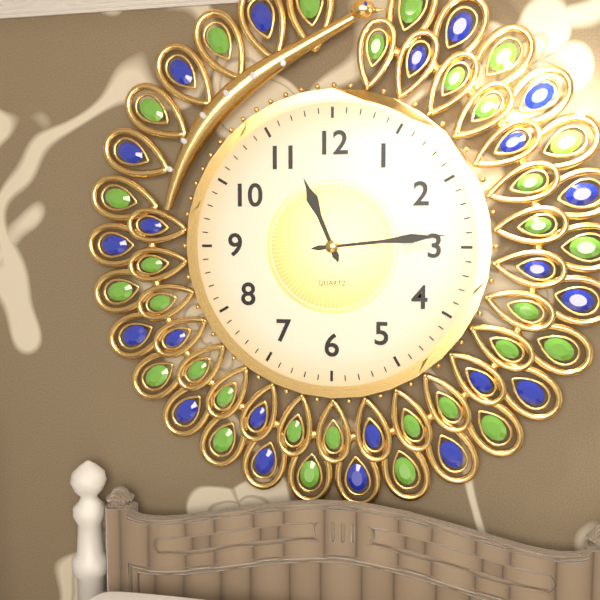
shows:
11,14
